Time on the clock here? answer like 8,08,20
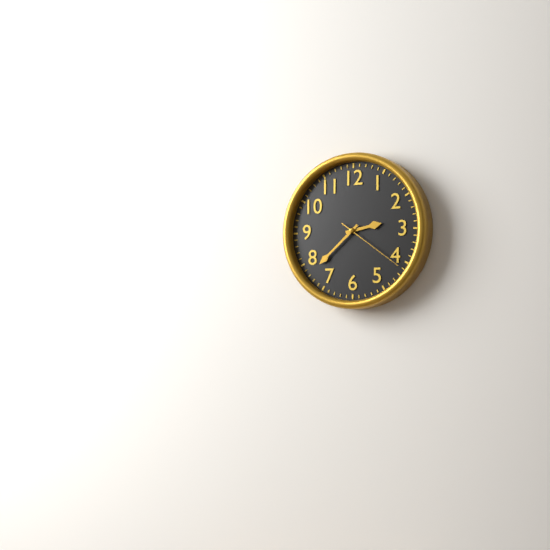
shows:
2,38,21
